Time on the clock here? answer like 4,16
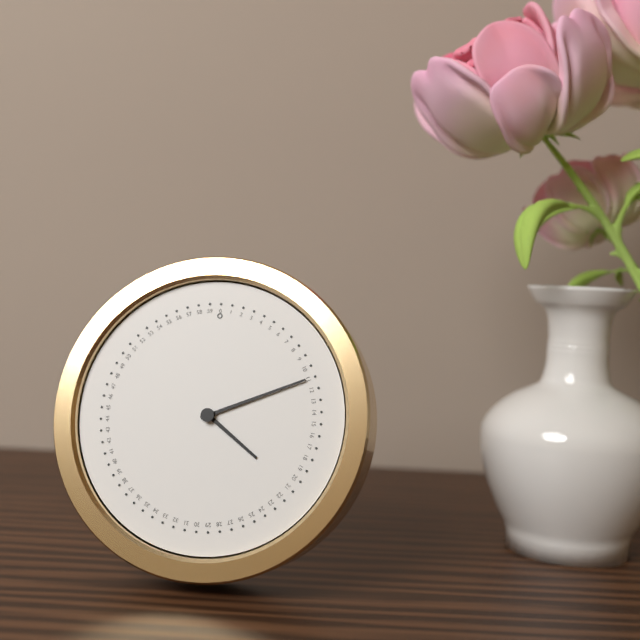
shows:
4,11
